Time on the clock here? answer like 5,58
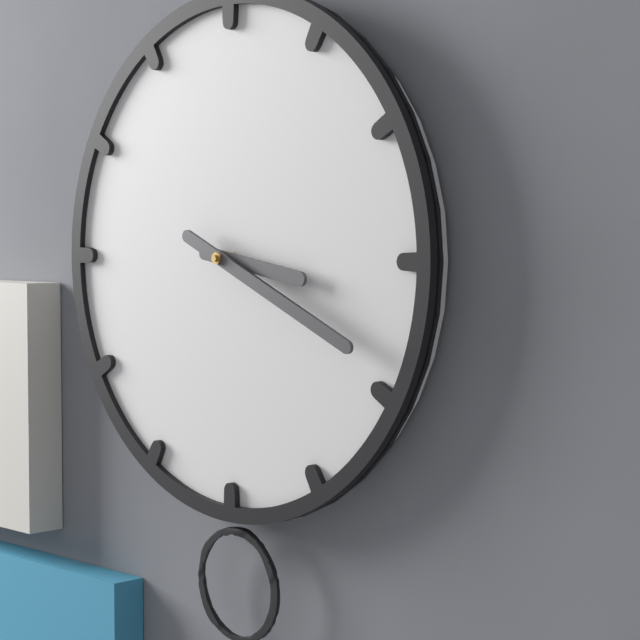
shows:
3,19
